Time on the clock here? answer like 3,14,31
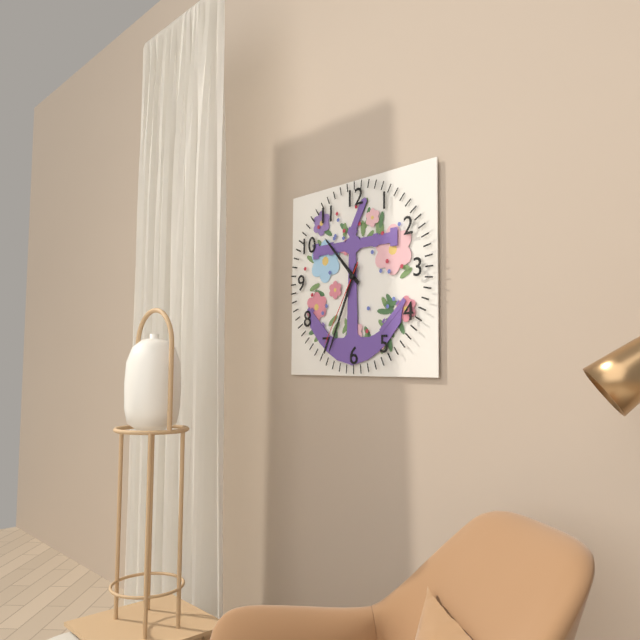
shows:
10,34,35
